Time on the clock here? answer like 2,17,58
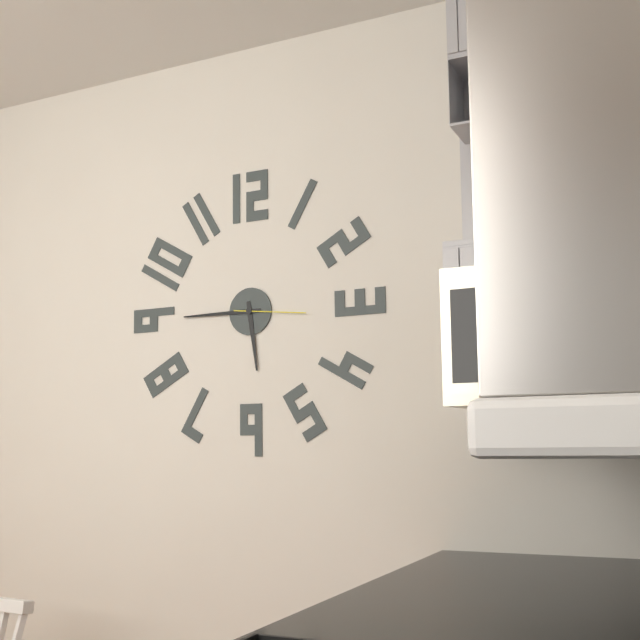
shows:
5,45,16
